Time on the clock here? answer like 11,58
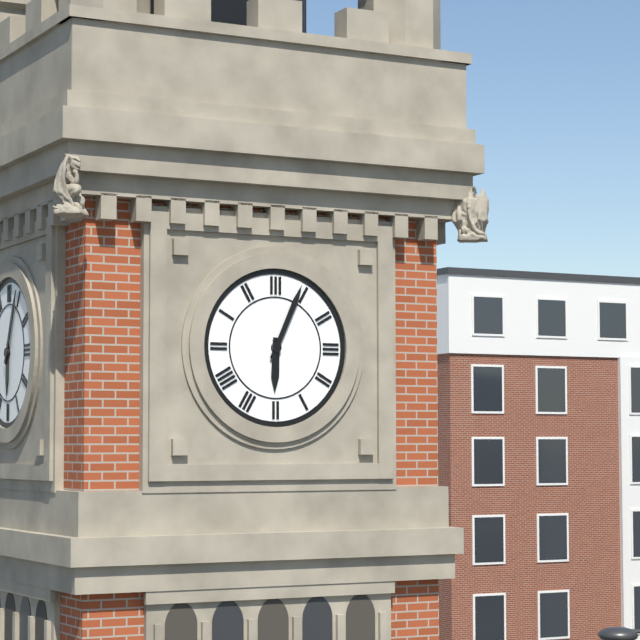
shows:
6,04
